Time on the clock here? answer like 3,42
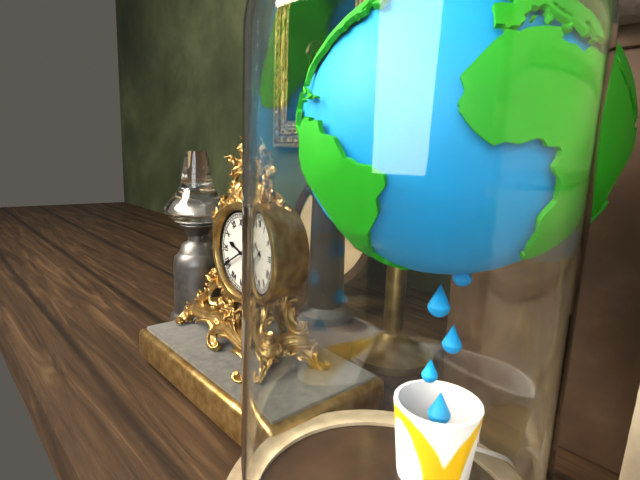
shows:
9,40
